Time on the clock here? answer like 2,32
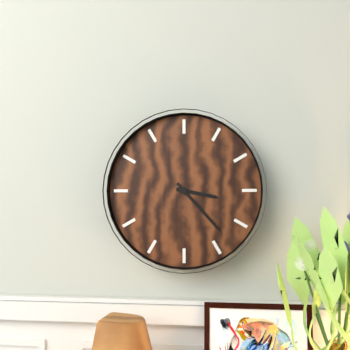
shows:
3,23
